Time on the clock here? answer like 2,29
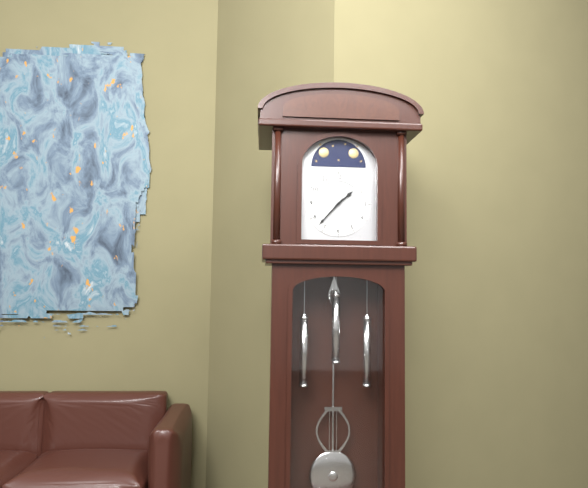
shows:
1,37
